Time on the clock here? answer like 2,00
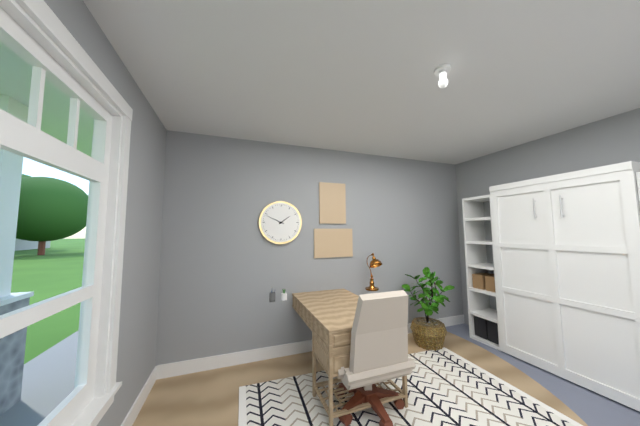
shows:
1,49
